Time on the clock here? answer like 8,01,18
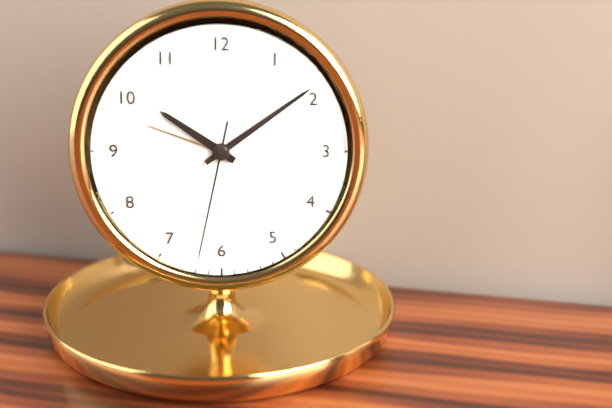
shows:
10,09,32
